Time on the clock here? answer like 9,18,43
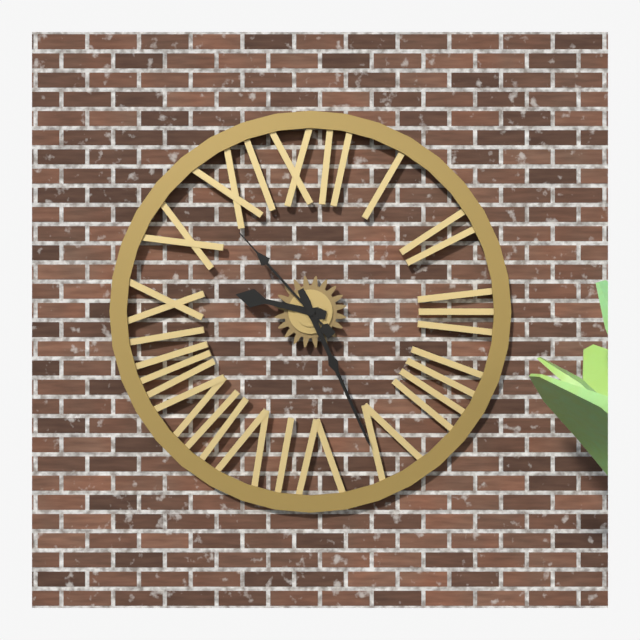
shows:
9,26,53
